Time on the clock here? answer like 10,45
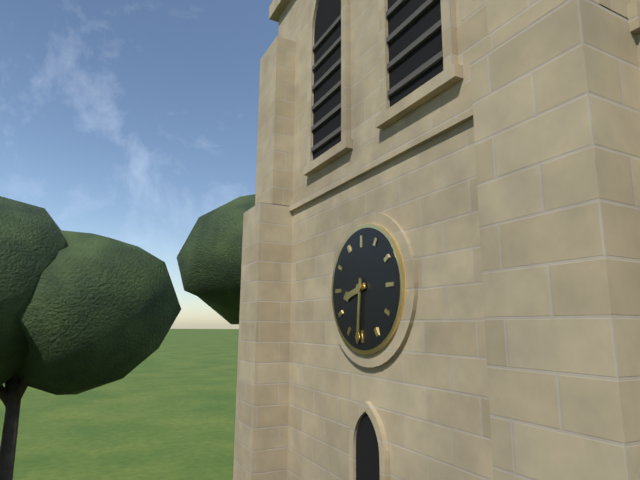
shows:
8,31
